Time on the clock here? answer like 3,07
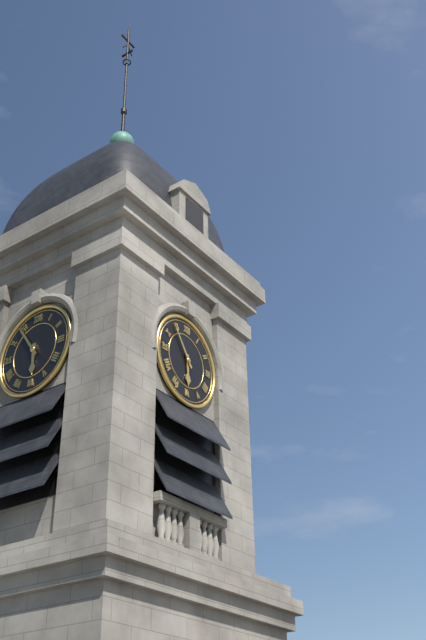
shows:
5,54
